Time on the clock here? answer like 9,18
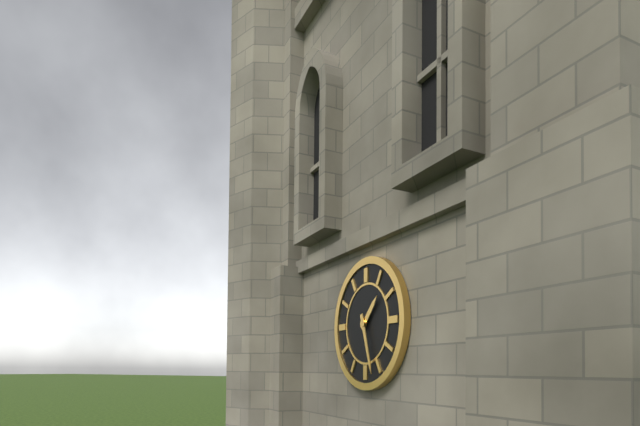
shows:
1,27
